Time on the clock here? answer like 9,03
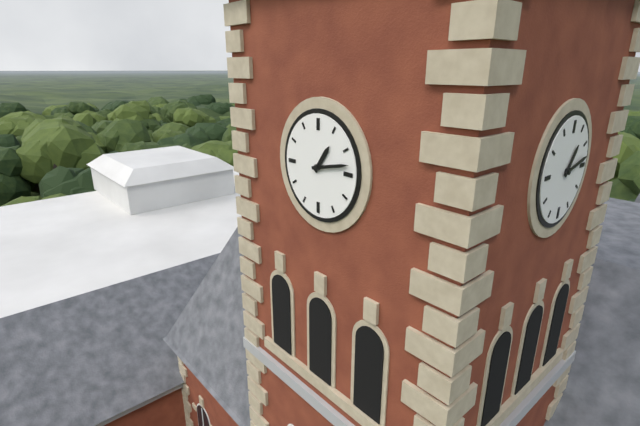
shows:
1,13
